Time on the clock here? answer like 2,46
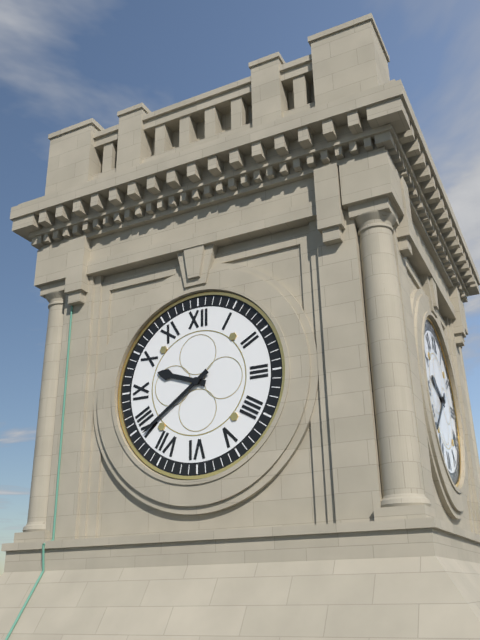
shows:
9,39
